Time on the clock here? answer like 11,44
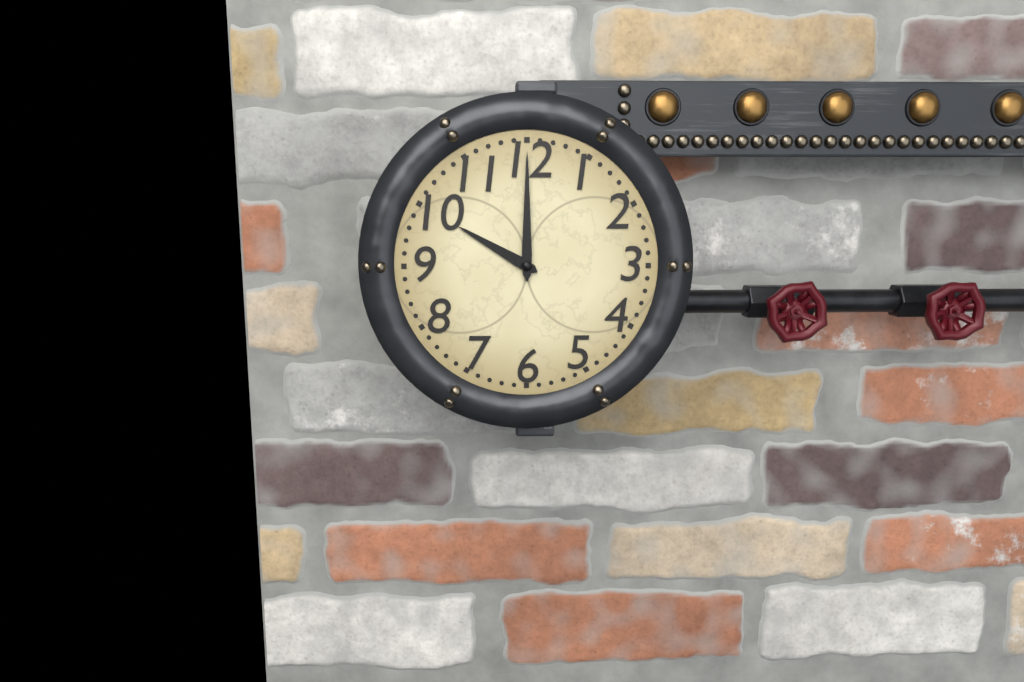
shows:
10,00
